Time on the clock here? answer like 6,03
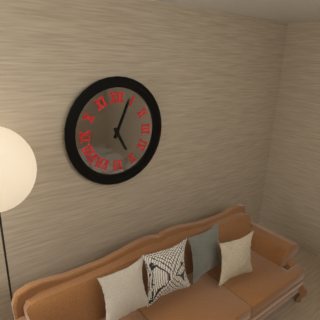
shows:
5,04
